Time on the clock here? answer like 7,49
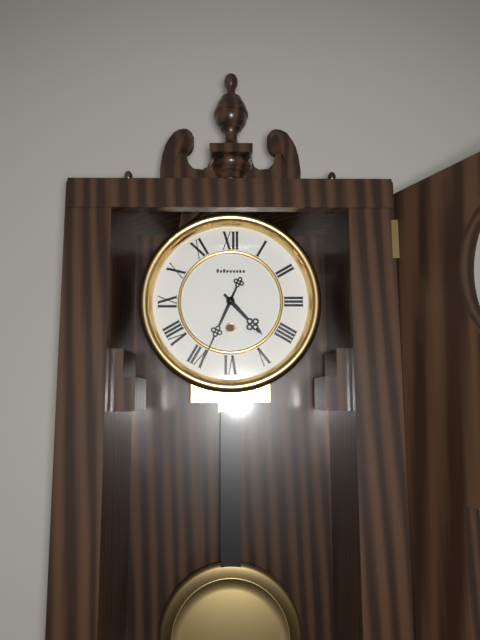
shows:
4,34
